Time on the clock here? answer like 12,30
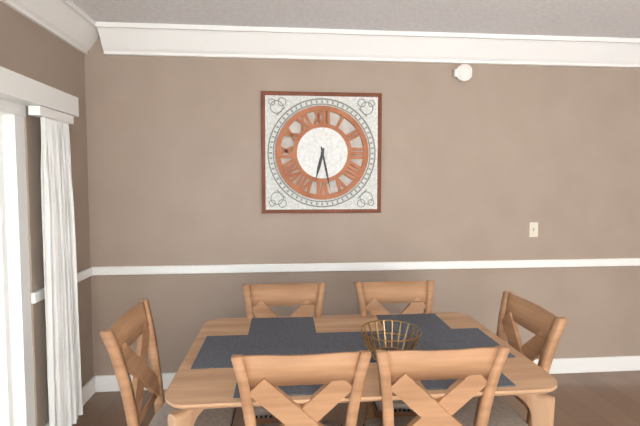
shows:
6,28
